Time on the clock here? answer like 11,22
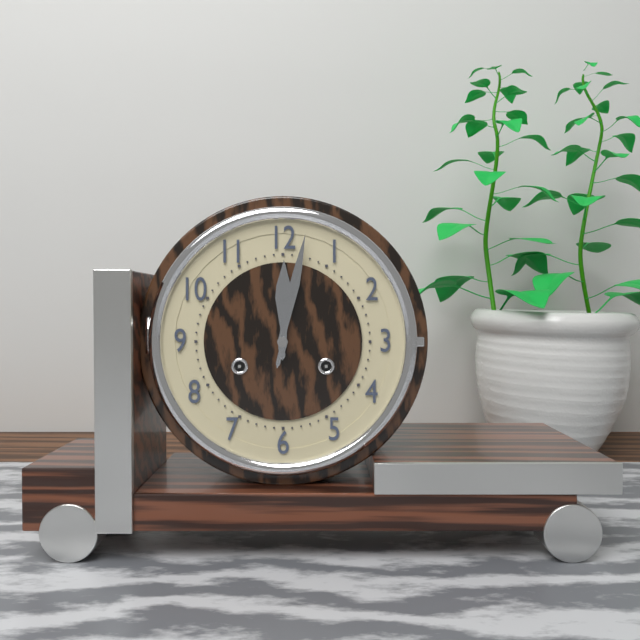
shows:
12,02
